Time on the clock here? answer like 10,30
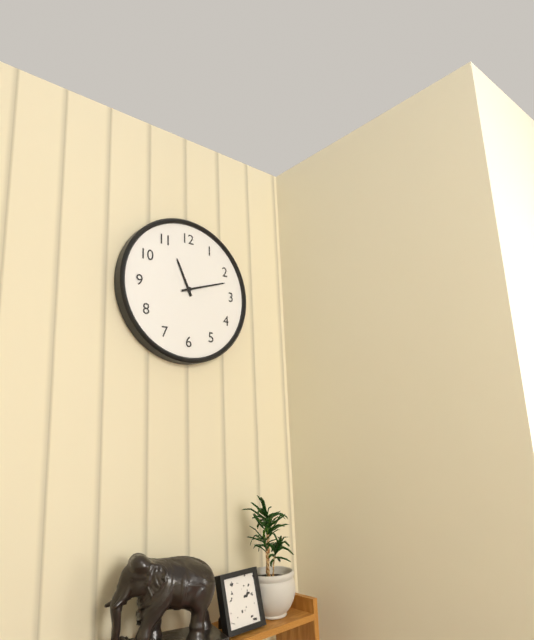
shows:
11,12
